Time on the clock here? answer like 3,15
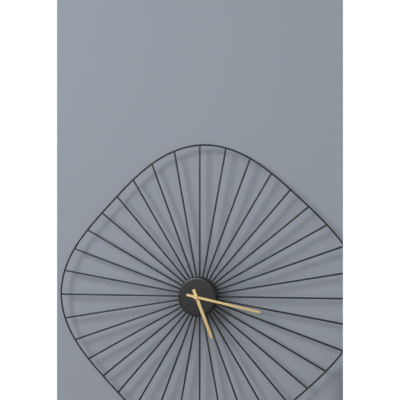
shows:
5,17
